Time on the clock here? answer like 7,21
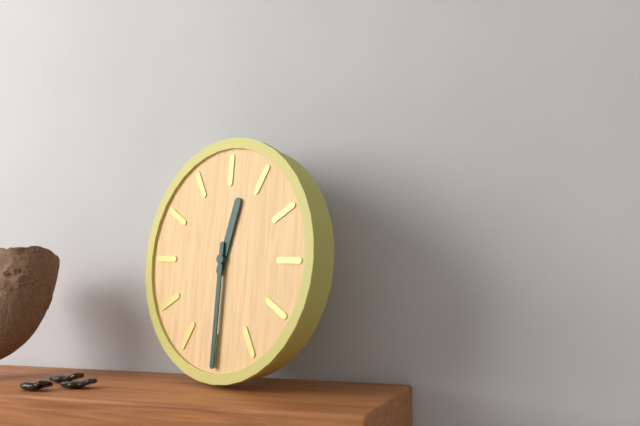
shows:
12,30
